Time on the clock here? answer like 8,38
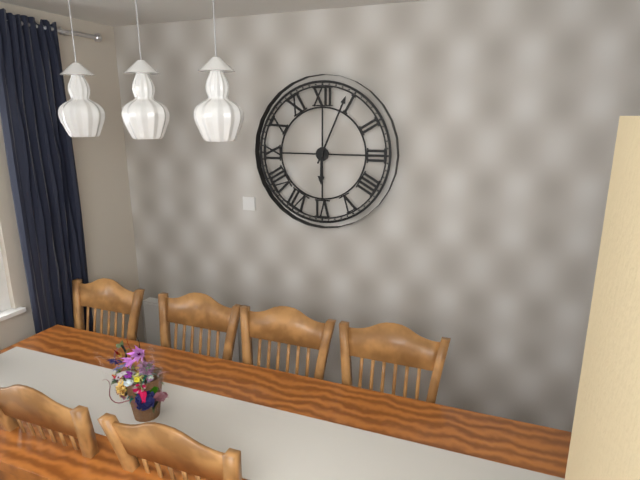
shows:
6,04
